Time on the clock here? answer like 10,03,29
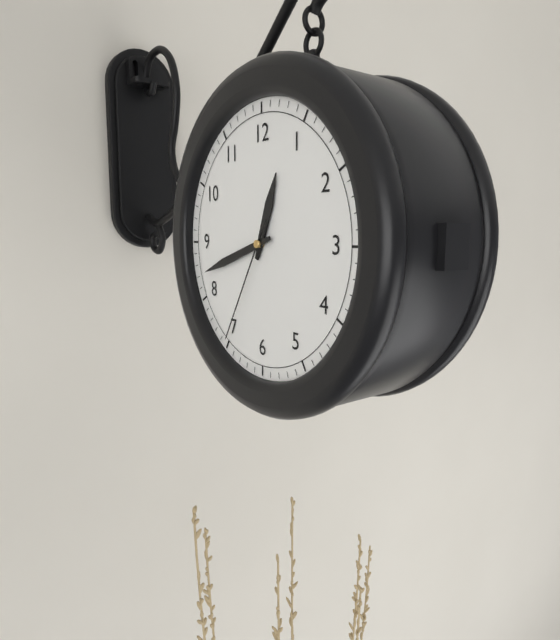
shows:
12,42,35
